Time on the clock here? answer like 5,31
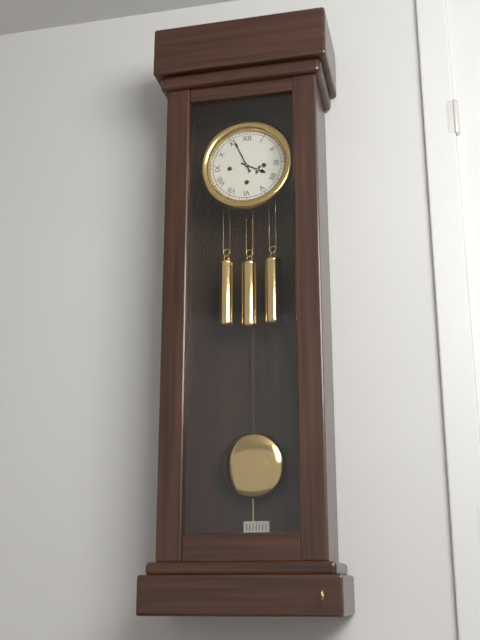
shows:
3,56
